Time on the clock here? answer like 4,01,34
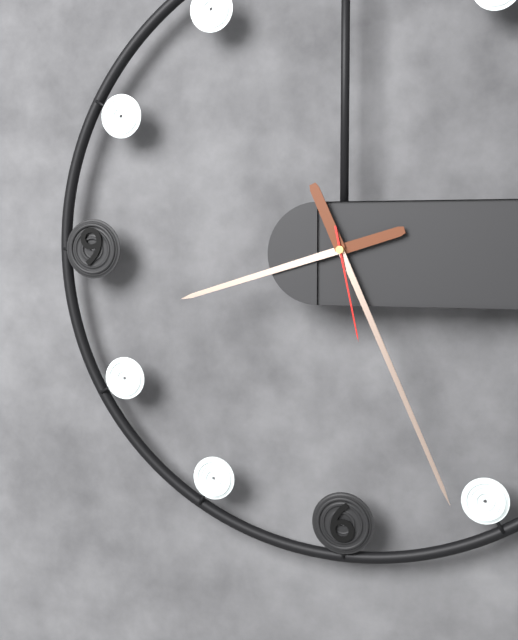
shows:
8,26,28
